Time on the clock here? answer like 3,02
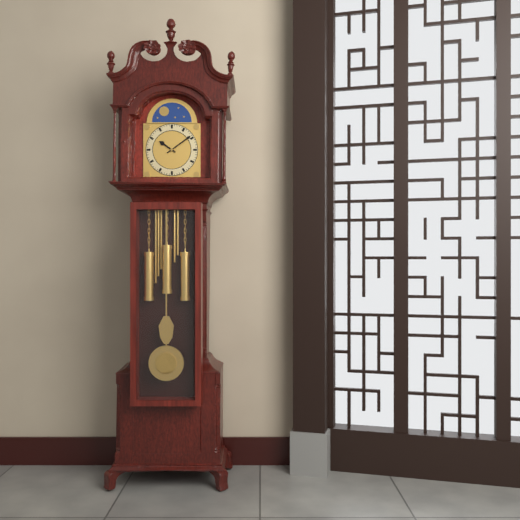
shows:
10,09
